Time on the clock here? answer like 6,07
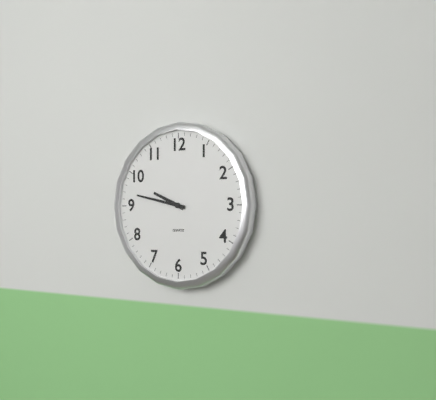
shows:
9,47
